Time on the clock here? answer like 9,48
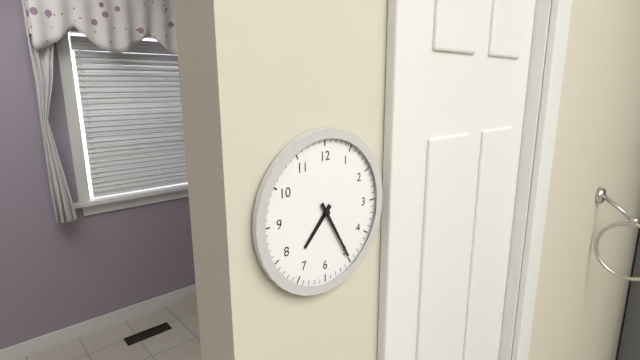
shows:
7,25
